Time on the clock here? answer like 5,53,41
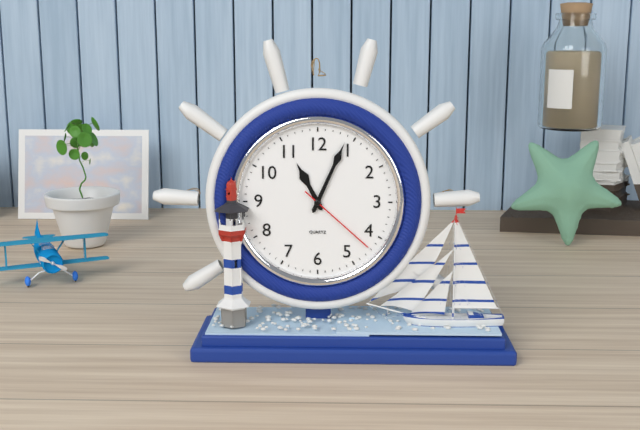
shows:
11,04,22
